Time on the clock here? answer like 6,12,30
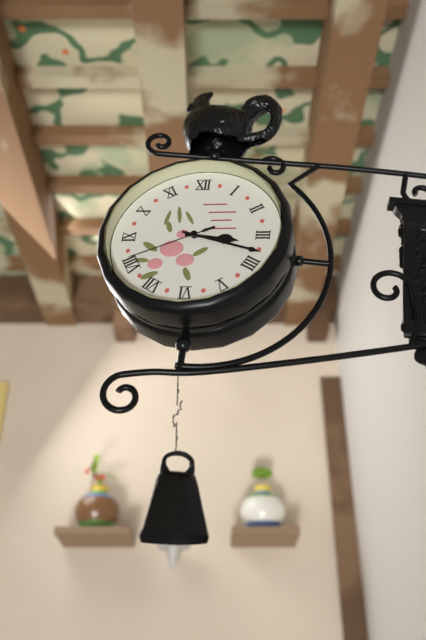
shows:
3,18,41
